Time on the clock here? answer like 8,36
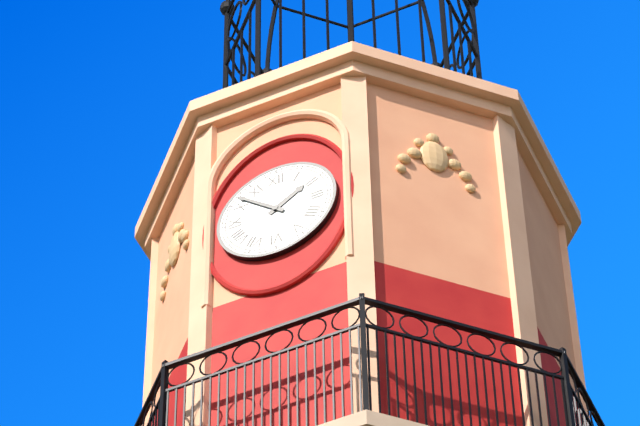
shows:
1,52
